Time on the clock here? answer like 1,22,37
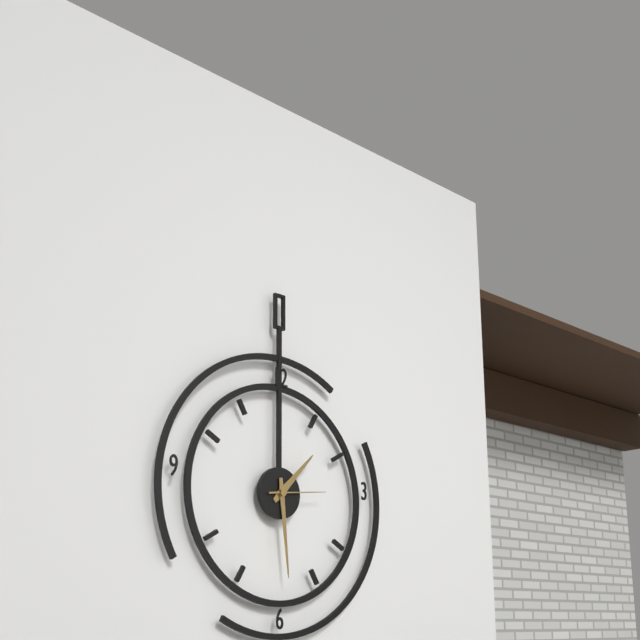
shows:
1,29,14
